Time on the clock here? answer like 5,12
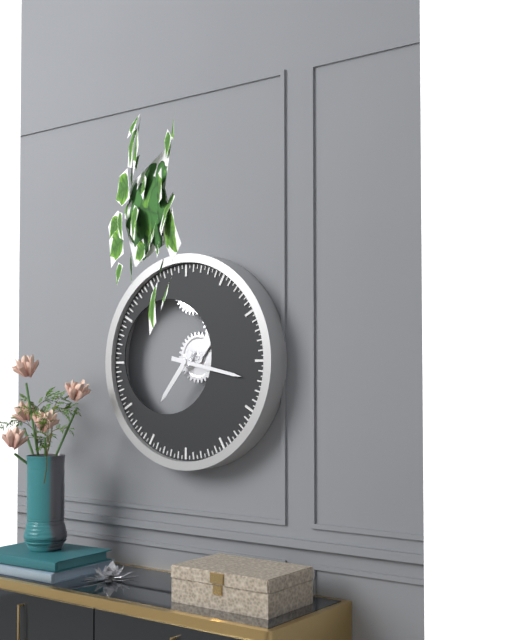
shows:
7,17
